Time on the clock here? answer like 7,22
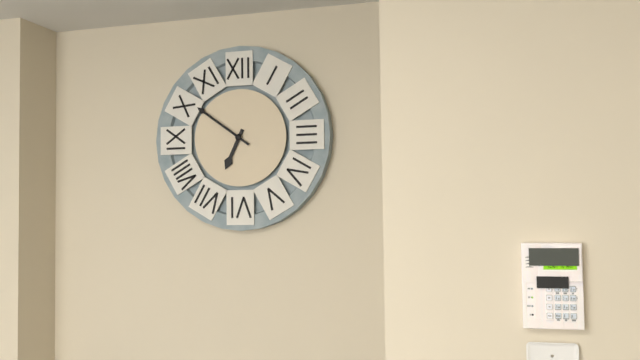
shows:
6,51
